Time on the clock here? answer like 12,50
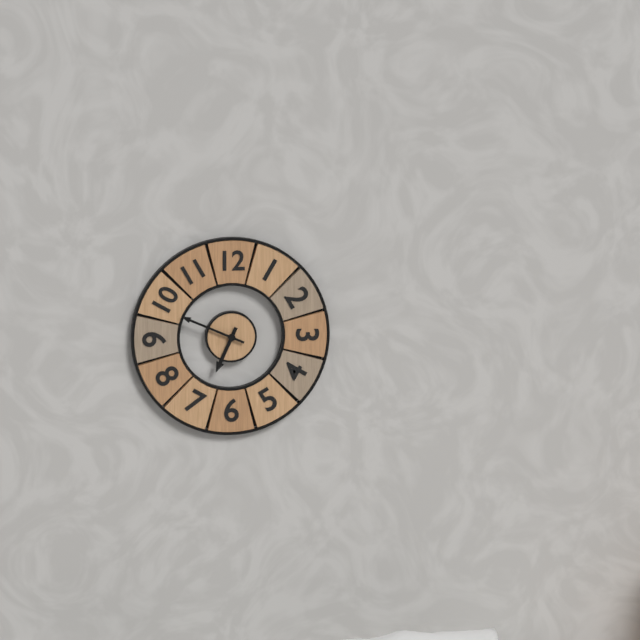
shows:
6,49
